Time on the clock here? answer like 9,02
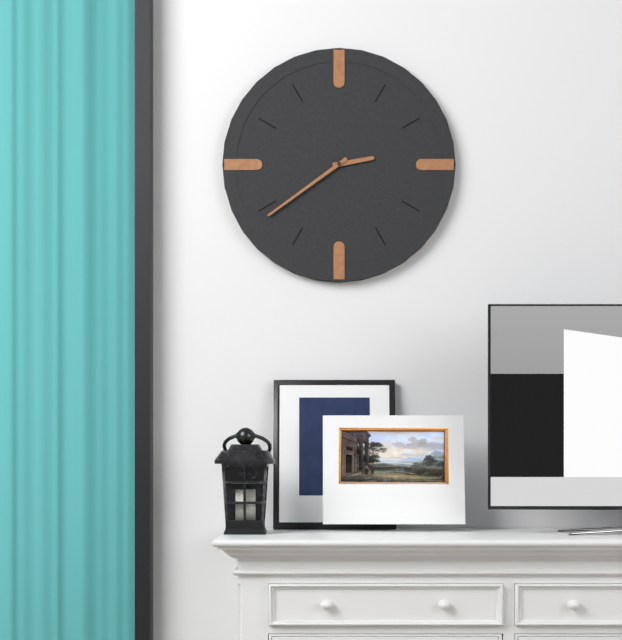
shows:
2,39
